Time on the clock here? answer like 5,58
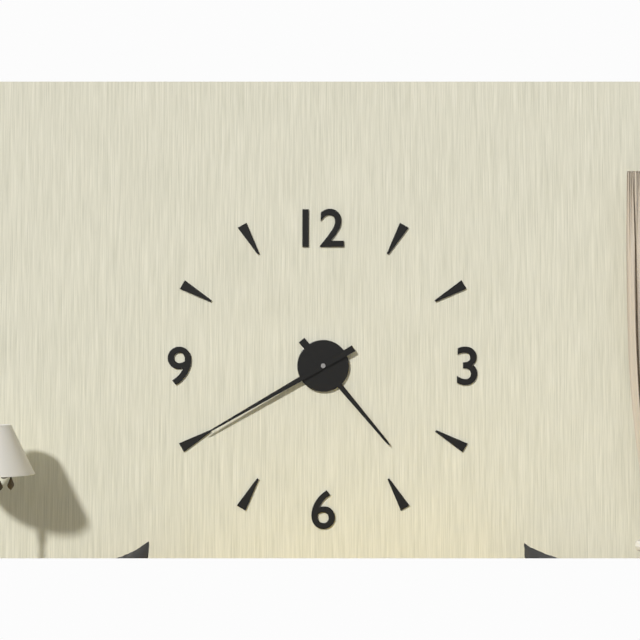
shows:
4,40
